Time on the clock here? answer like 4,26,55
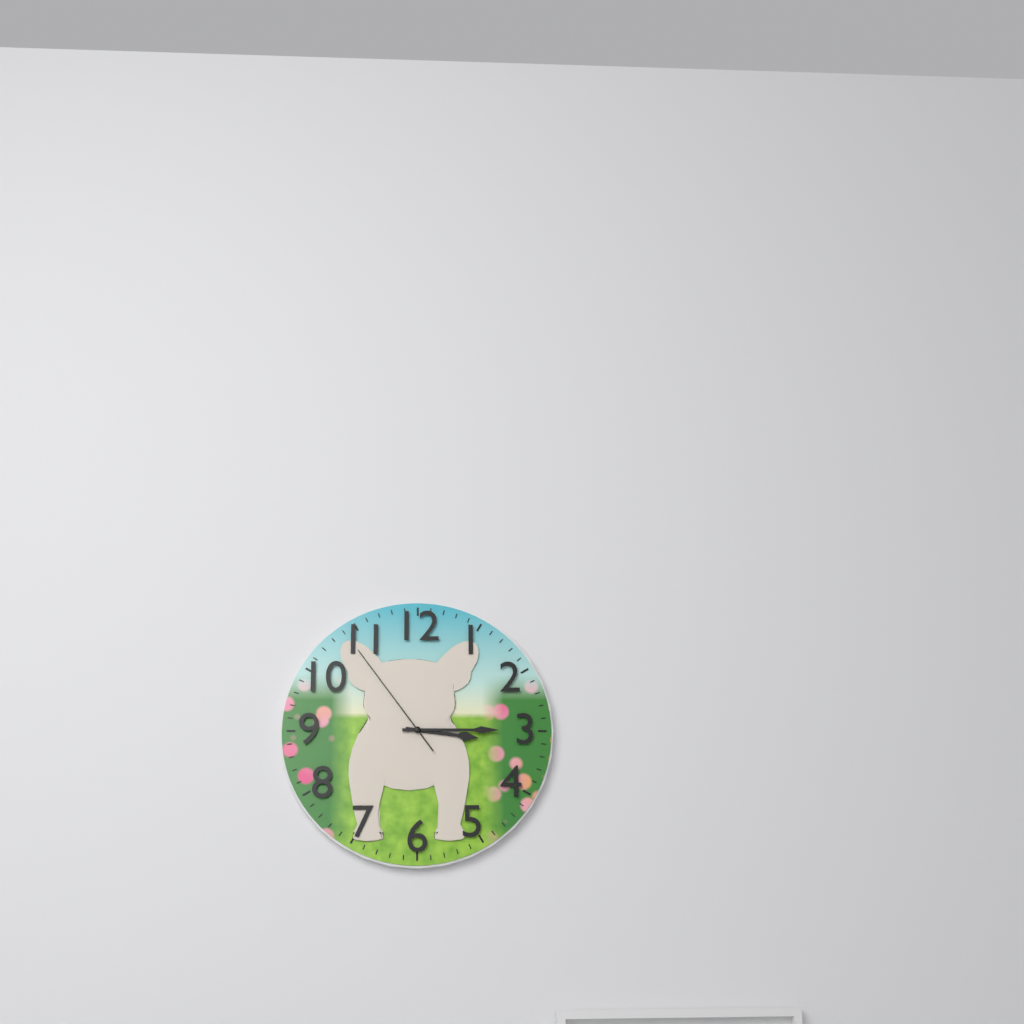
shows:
3,15,54
